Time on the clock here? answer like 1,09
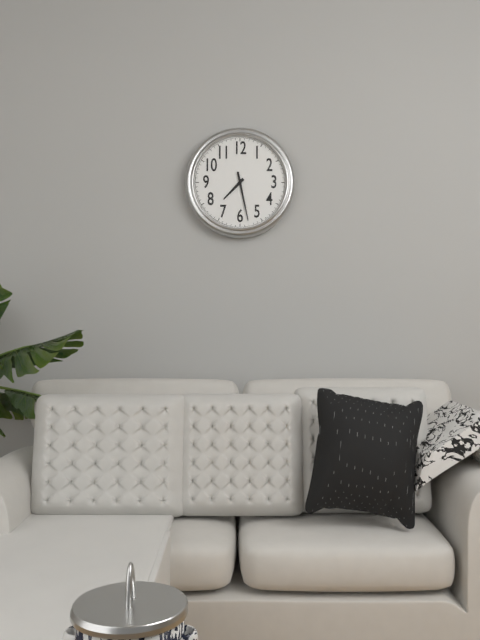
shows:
7,28
